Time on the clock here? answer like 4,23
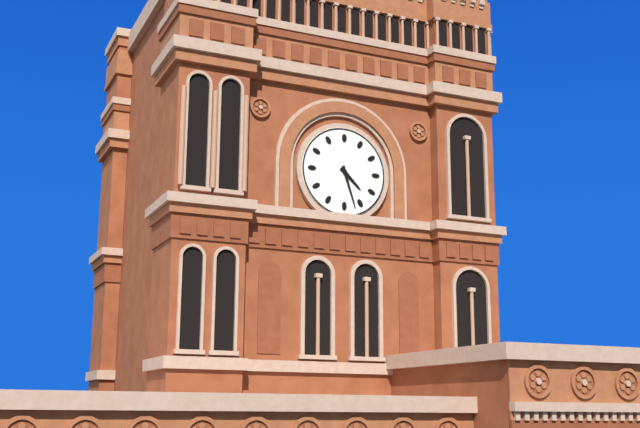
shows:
4,27
